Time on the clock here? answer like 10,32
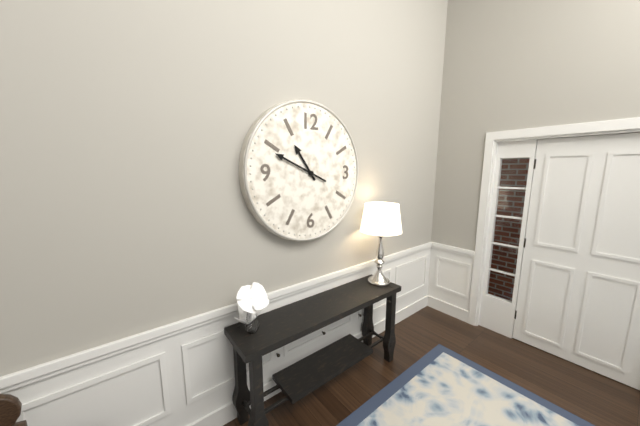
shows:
10,49
